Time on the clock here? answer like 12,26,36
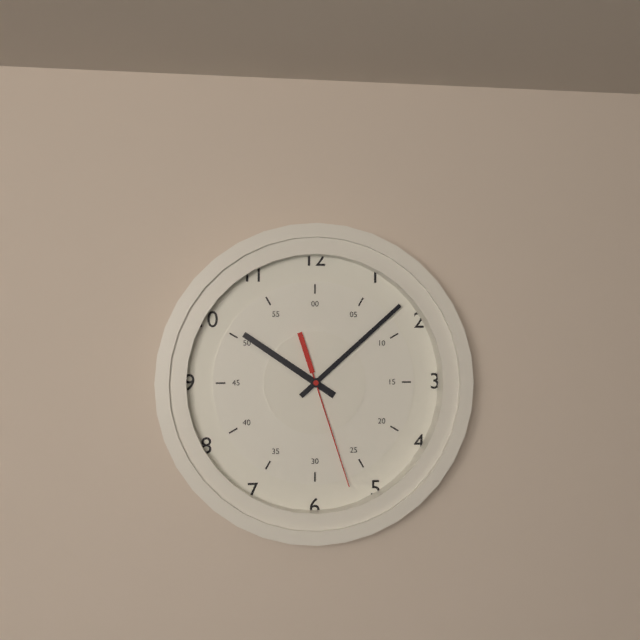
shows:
10,08,27
